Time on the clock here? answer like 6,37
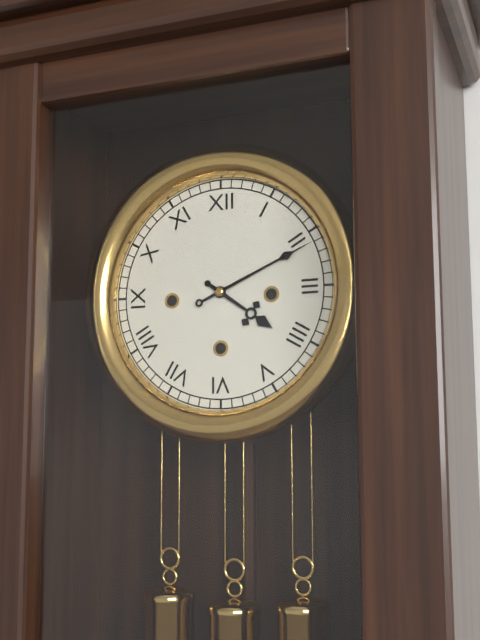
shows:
4,11
